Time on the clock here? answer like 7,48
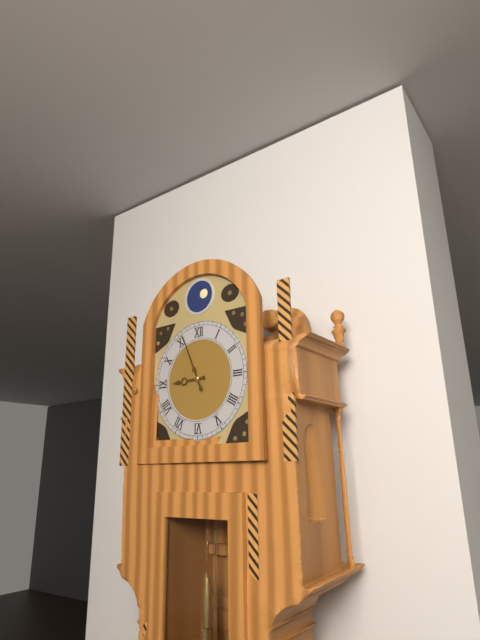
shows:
8,56
